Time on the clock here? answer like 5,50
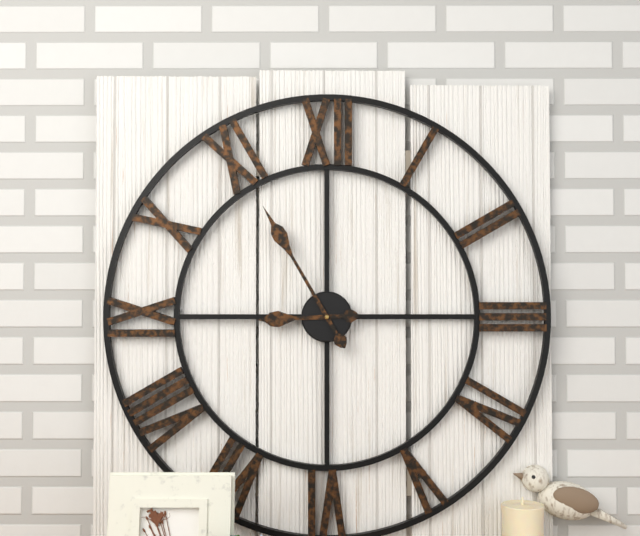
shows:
8,55
